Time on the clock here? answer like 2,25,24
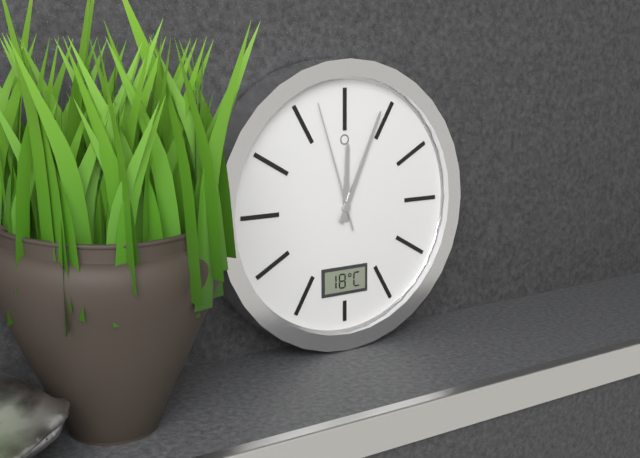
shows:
12,04,57
